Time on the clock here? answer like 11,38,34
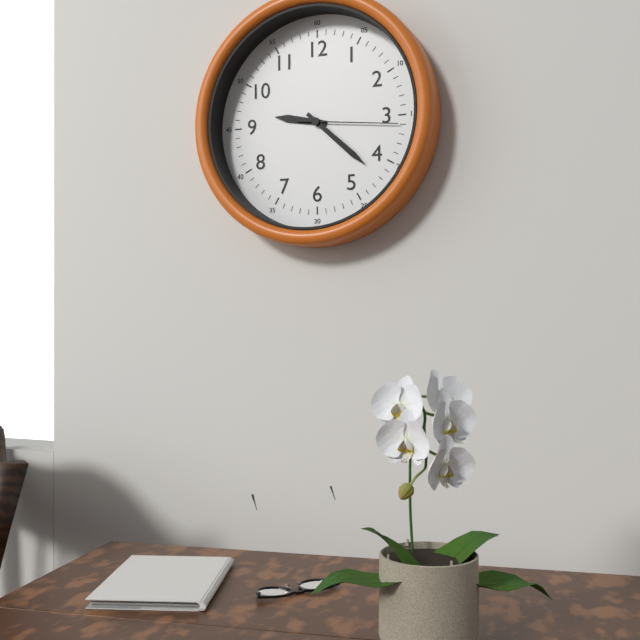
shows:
9,22,16
